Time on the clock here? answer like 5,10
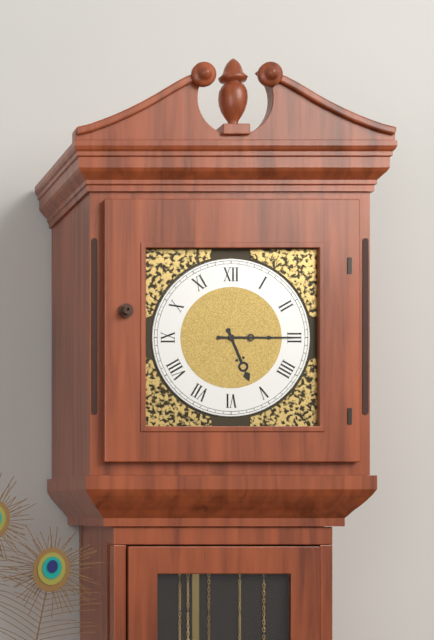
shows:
5,15
